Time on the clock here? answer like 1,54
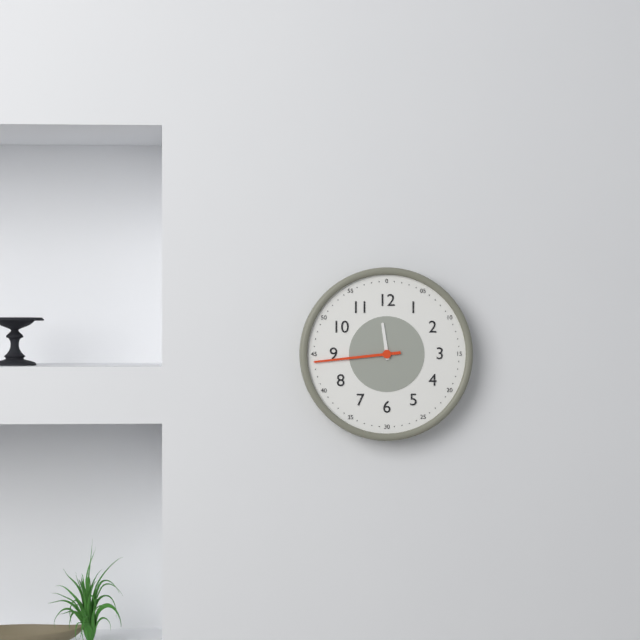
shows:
11,44
